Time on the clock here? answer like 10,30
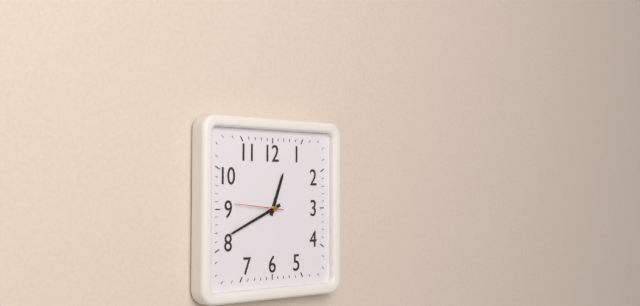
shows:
12,41
